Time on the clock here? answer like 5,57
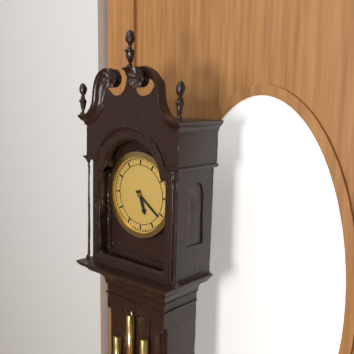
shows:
5,21
